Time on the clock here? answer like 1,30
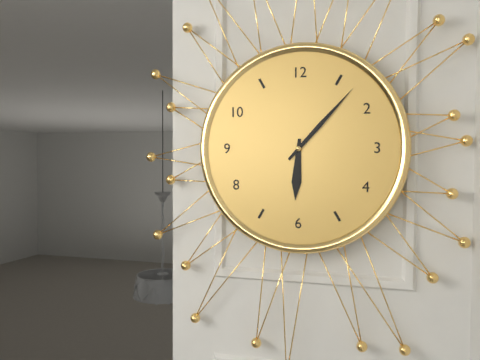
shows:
6,07
